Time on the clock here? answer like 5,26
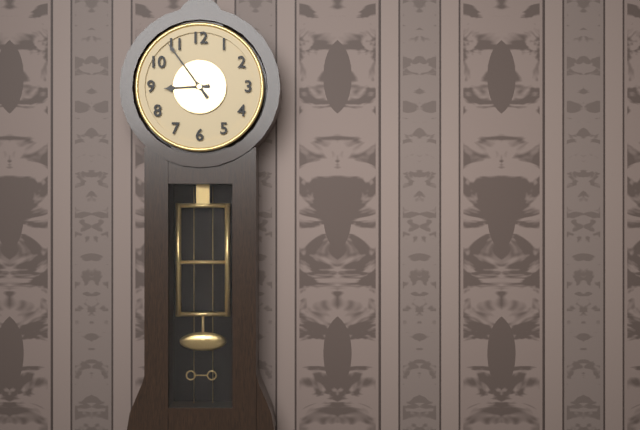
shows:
8,54
